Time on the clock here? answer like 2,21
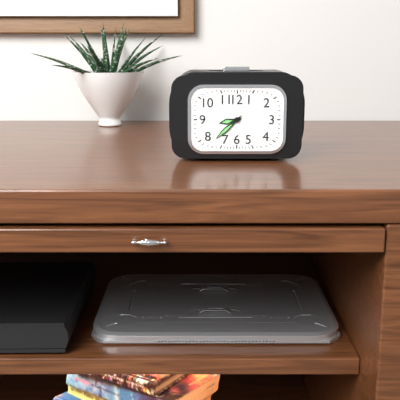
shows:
8,38
